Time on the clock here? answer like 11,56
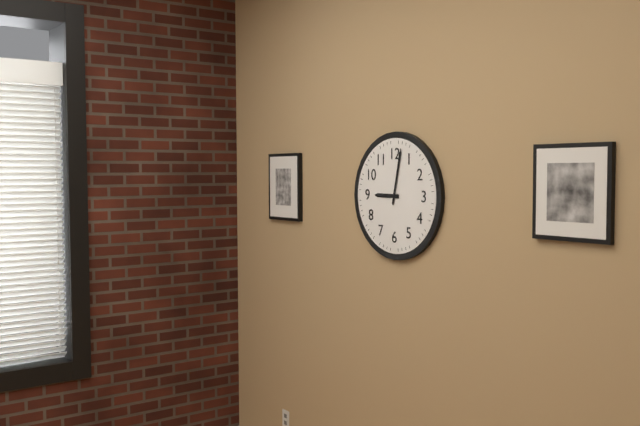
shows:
9,02
